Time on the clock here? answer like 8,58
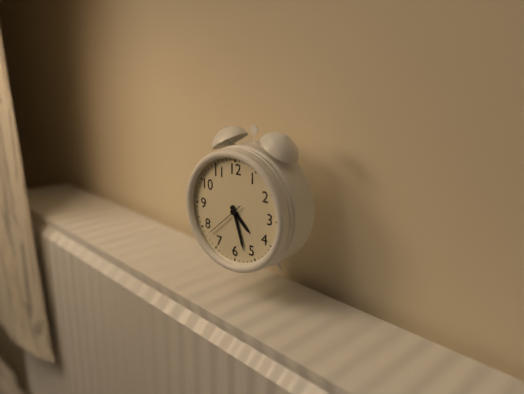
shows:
4,27
